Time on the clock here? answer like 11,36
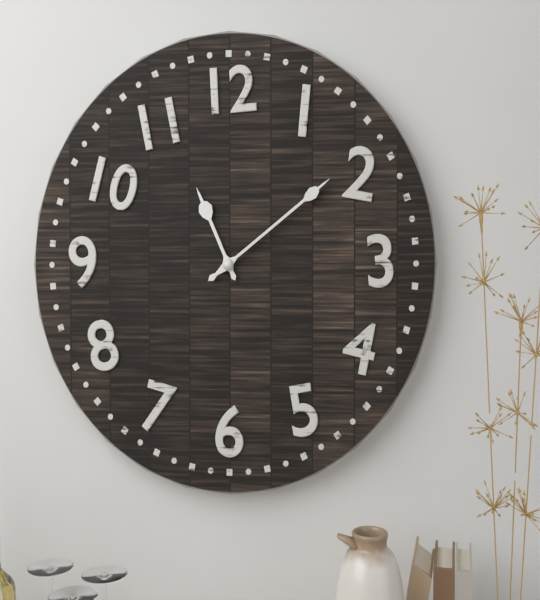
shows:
11,09
